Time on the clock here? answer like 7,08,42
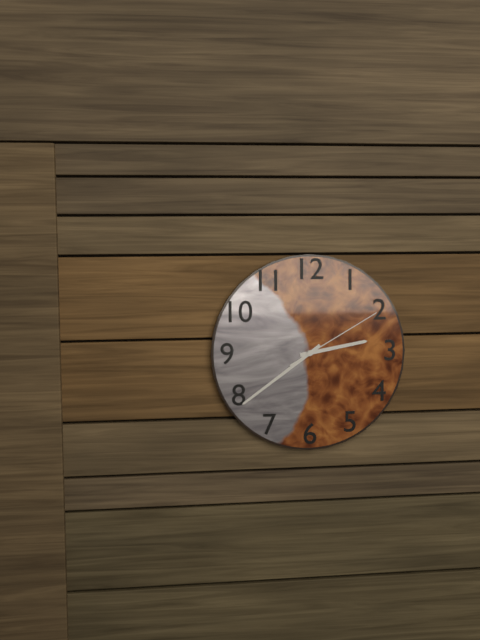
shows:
2,39,10
